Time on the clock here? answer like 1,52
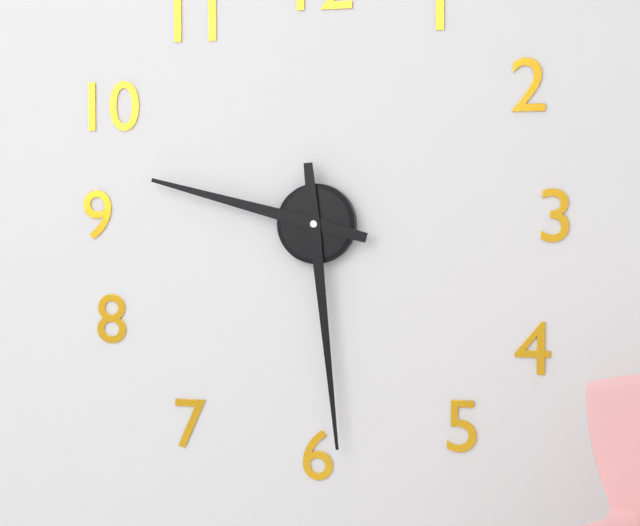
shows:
9,29
